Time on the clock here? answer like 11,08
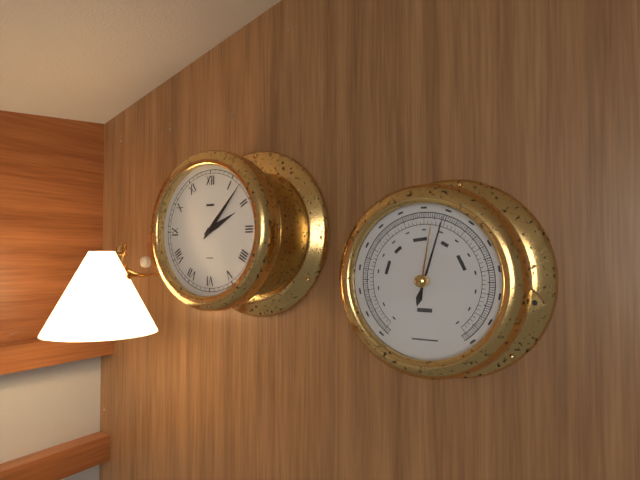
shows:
2,07
